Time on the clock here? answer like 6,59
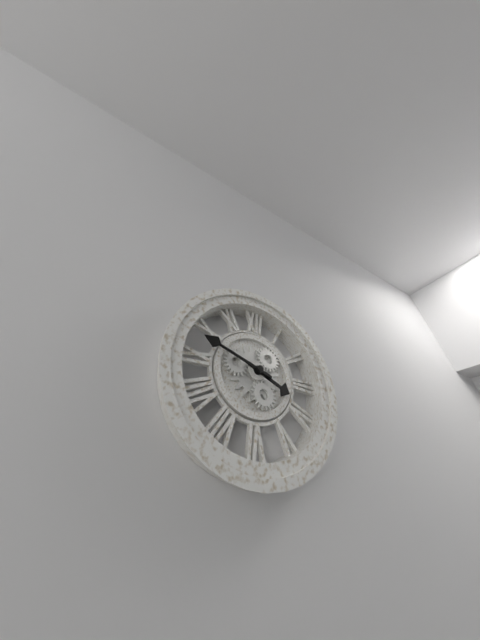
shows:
3,48
